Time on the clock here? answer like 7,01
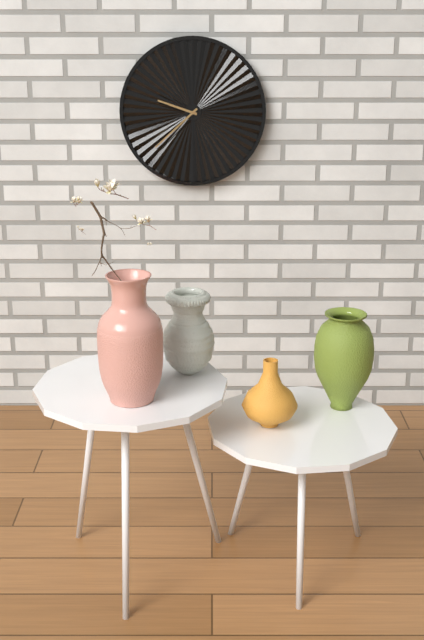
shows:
9,38
